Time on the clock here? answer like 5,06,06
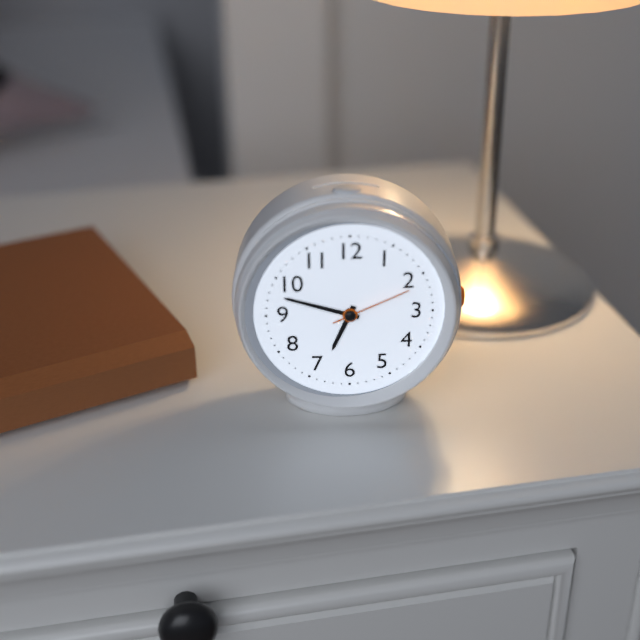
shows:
6,48,11
